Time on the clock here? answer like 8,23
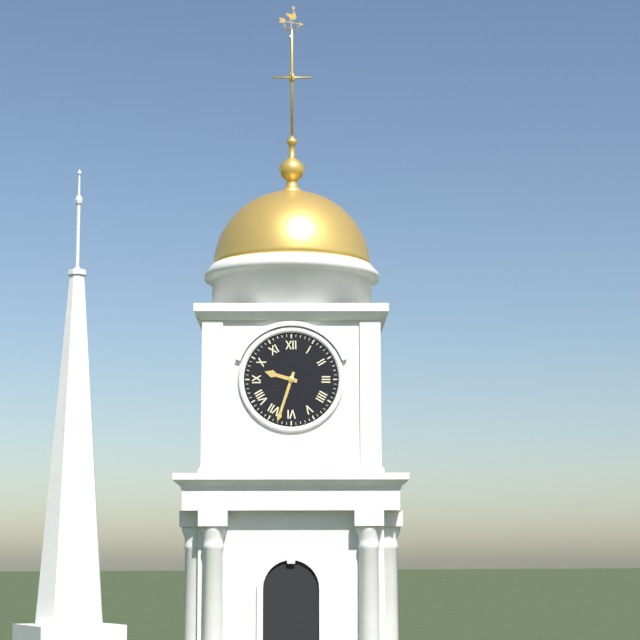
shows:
9,33
